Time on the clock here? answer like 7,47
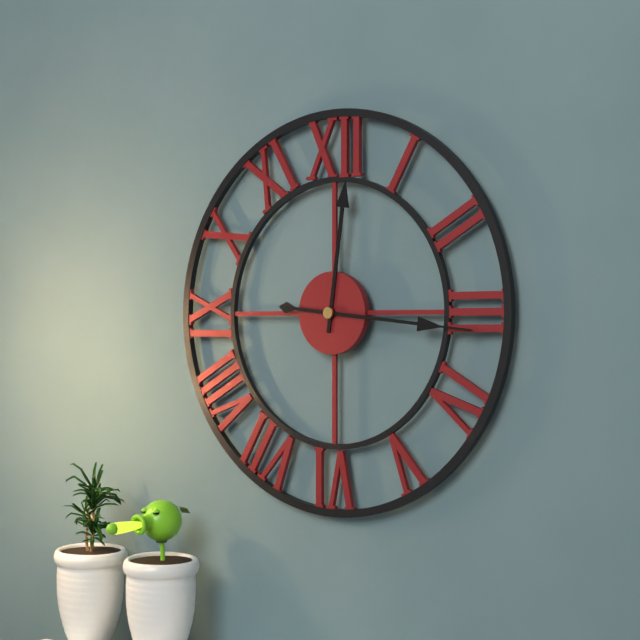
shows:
12,16
